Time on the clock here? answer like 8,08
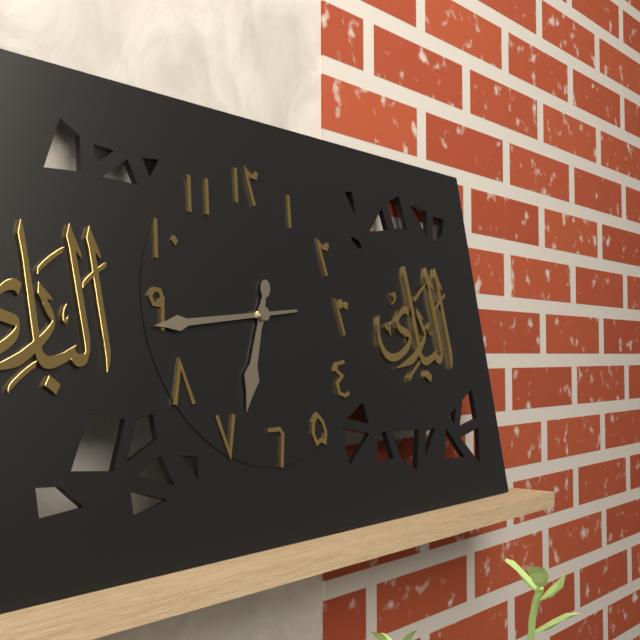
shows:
6,44
